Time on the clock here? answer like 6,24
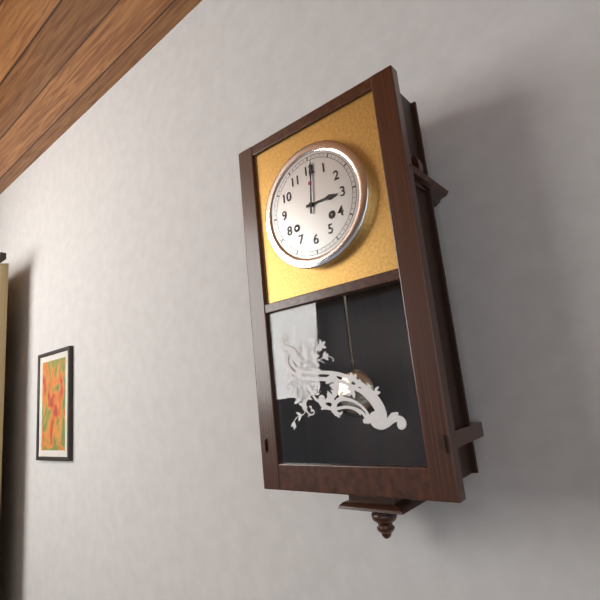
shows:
3,01
